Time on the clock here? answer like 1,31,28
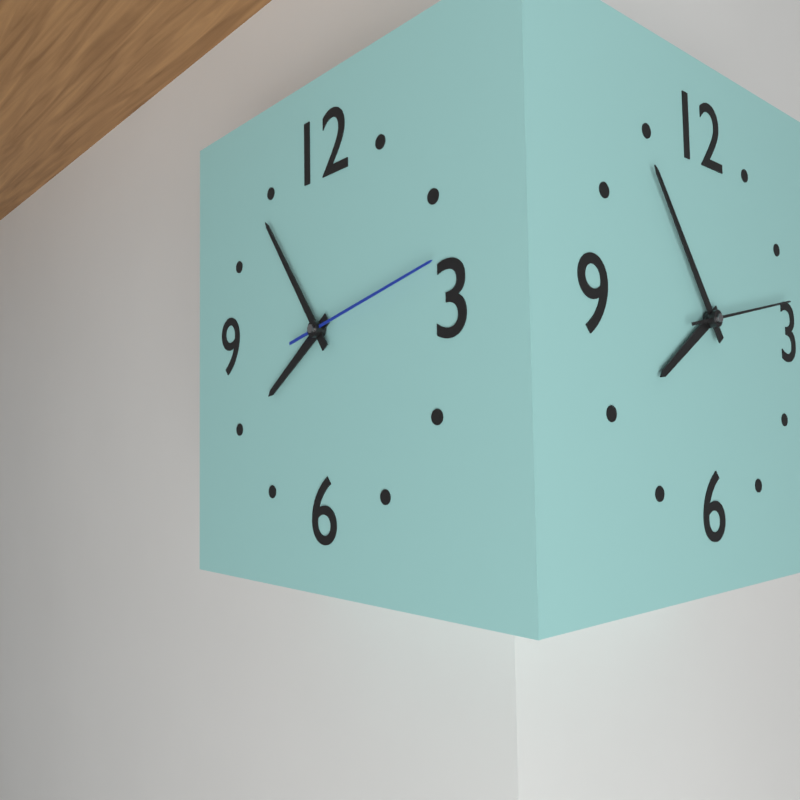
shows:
7,54,13
